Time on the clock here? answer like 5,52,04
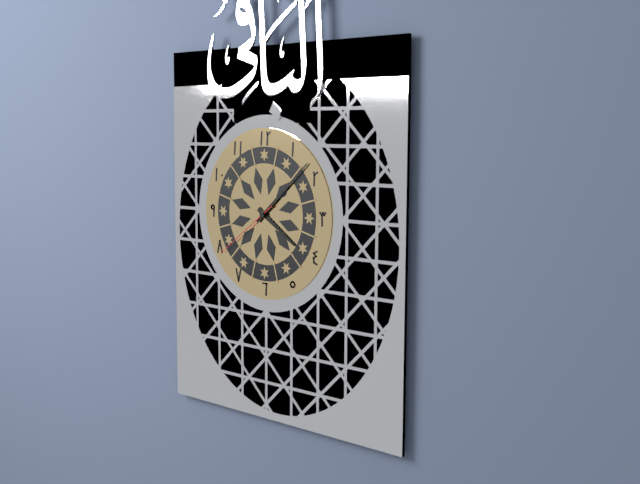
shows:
4,08,39
